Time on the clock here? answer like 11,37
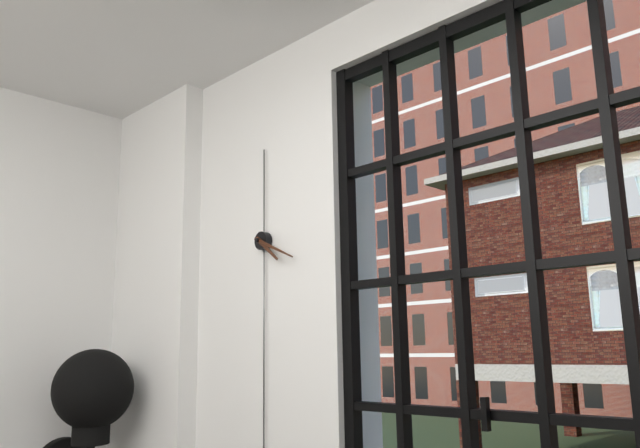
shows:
4,19
